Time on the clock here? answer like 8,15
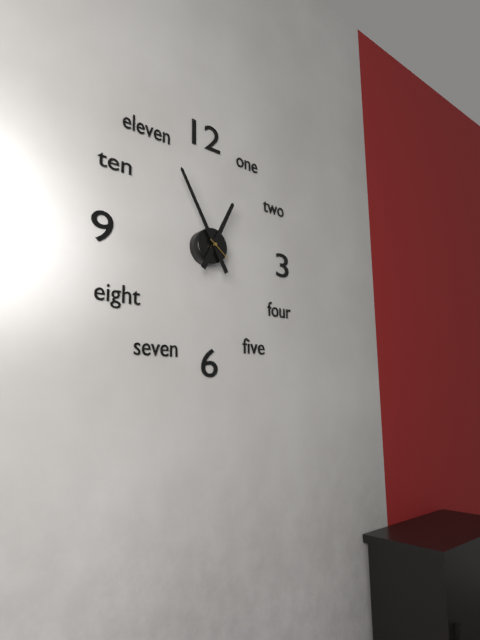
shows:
12,55
